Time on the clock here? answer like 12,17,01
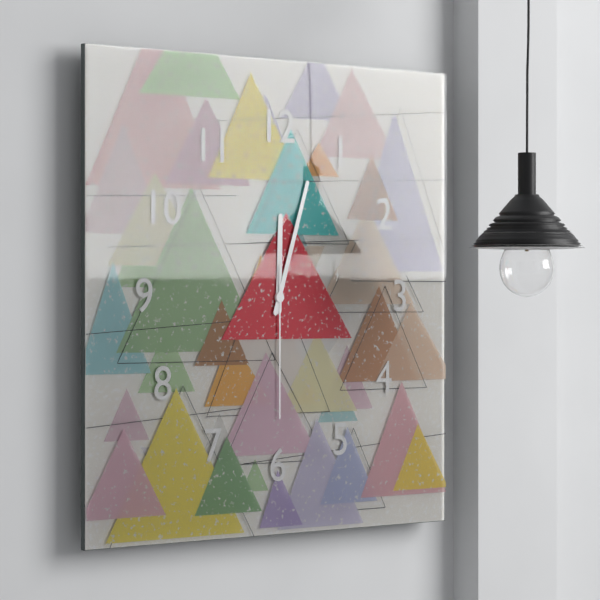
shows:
12,03,30
